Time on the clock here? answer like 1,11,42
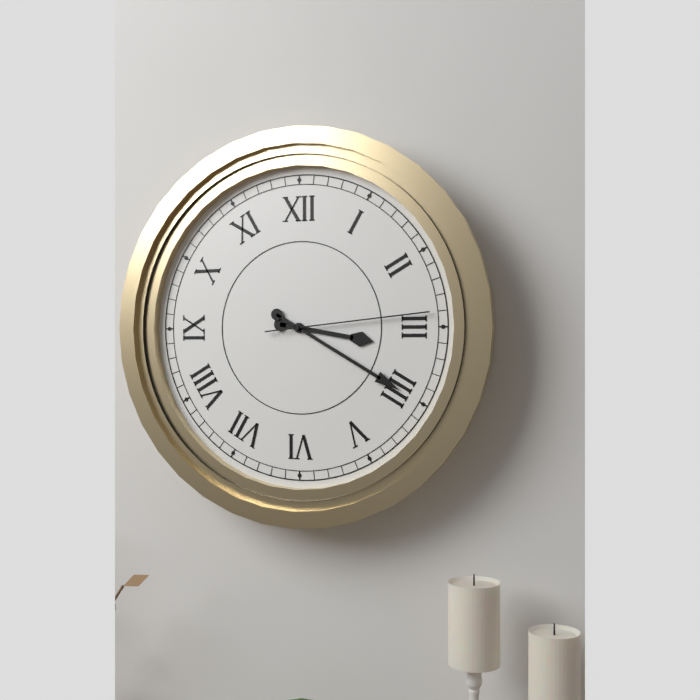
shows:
3,20,14
